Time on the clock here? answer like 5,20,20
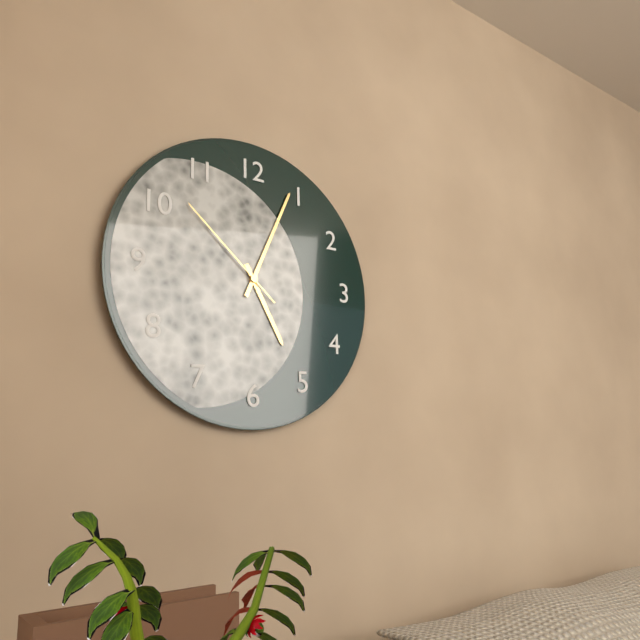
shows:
5,04,52
